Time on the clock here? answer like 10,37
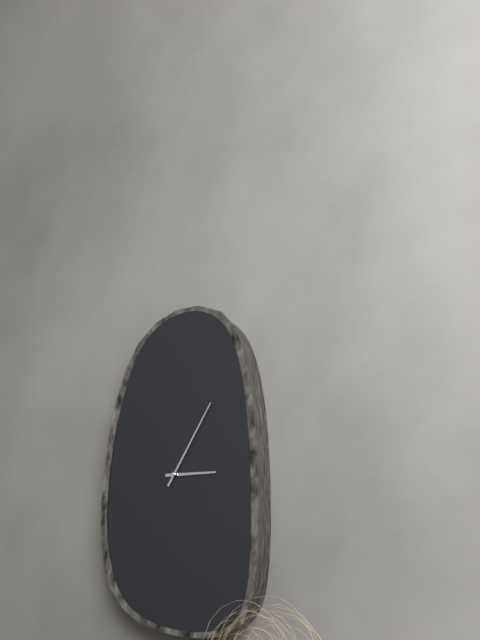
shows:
3,06
